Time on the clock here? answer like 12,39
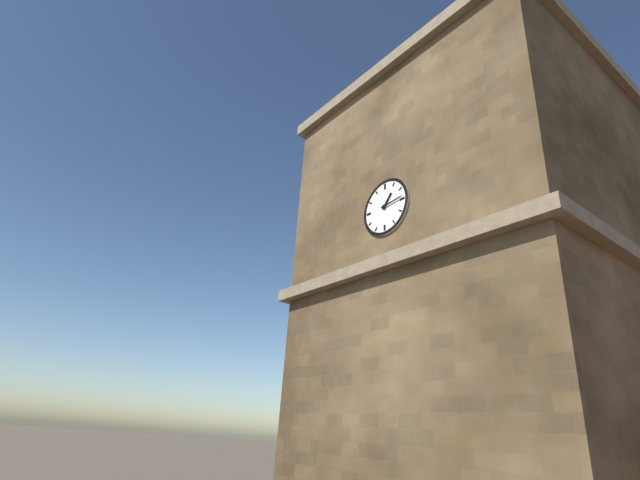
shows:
1,14
